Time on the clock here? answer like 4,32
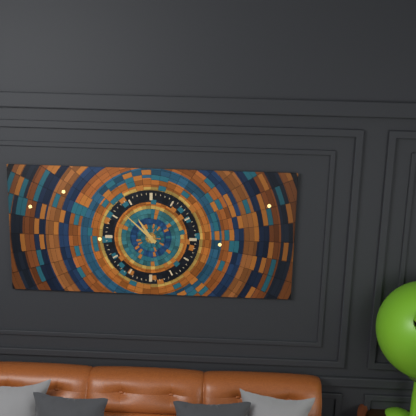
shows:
10,52
